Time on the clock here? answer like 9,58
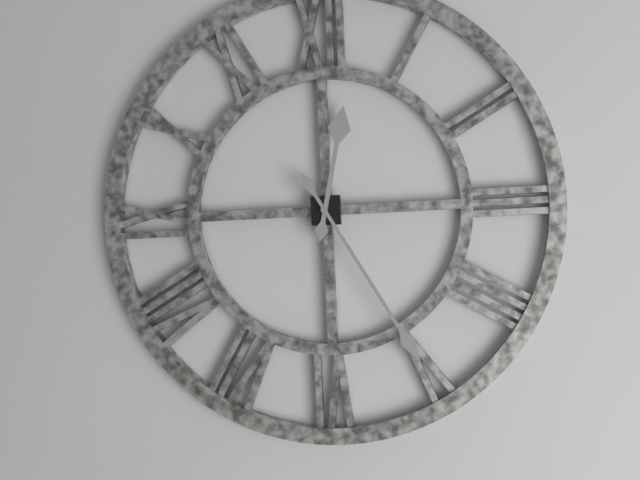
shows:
12,25
